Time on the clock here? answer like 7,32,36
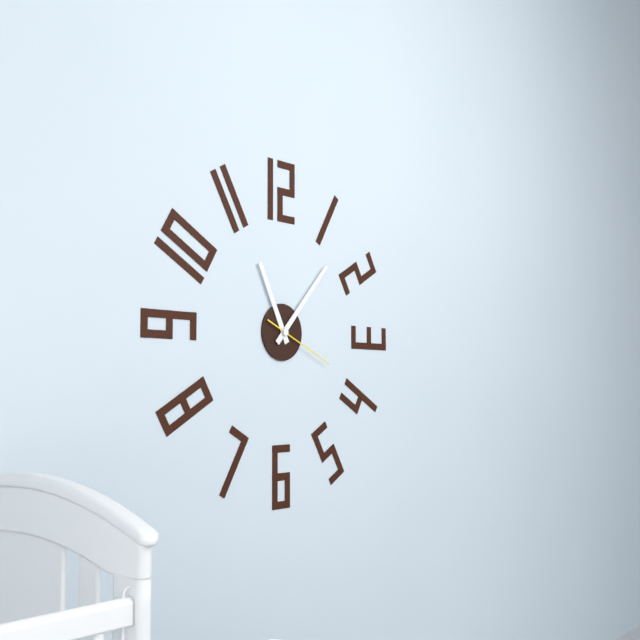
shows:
11,07,19
